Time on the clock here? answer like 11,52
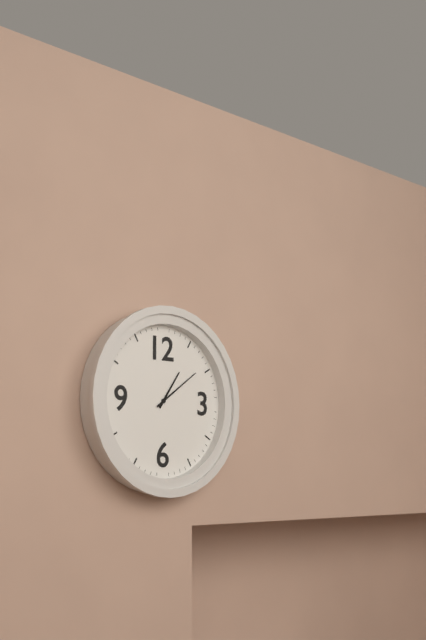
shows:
1,09
